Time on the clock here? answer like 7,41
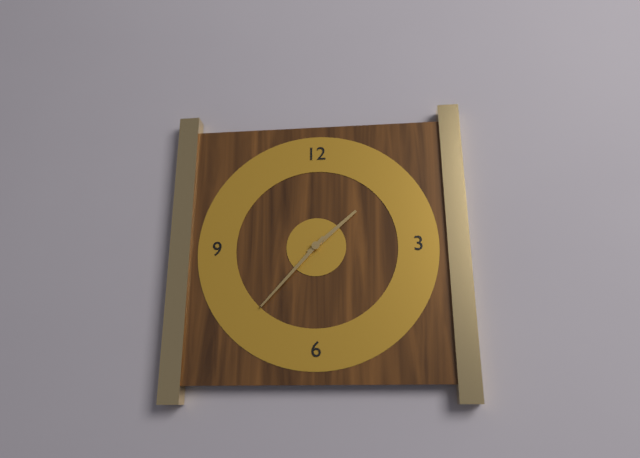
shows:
1,37
